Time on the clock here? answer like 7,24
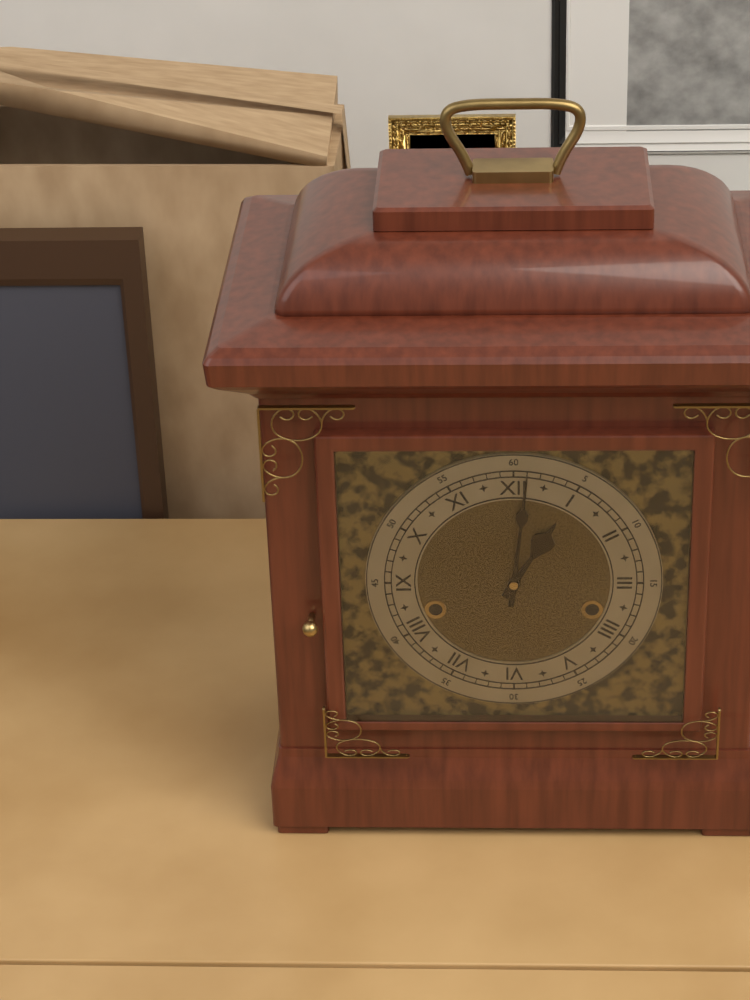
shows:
1,01
